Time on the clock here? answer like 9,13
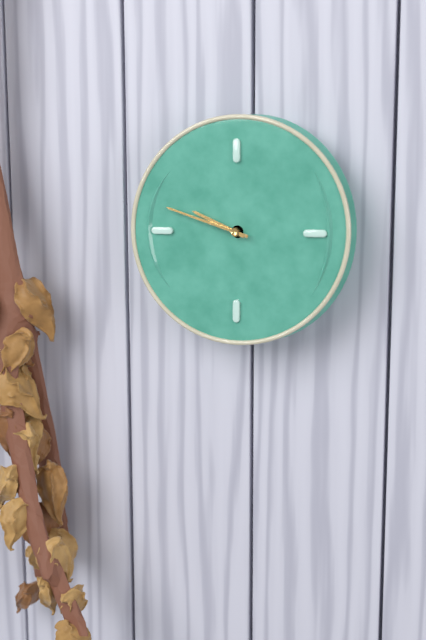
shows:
9,48
